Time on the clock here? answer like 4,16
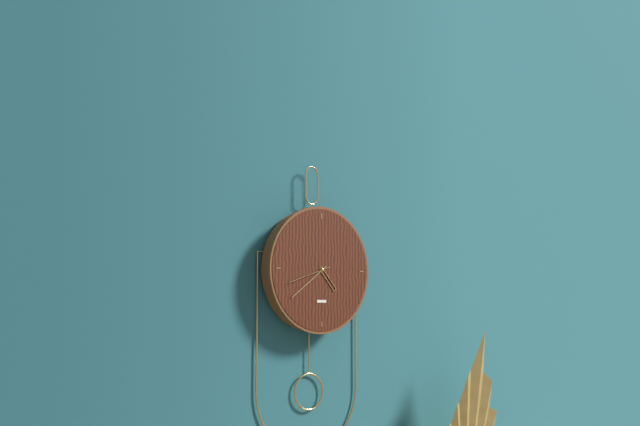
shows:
4,39
